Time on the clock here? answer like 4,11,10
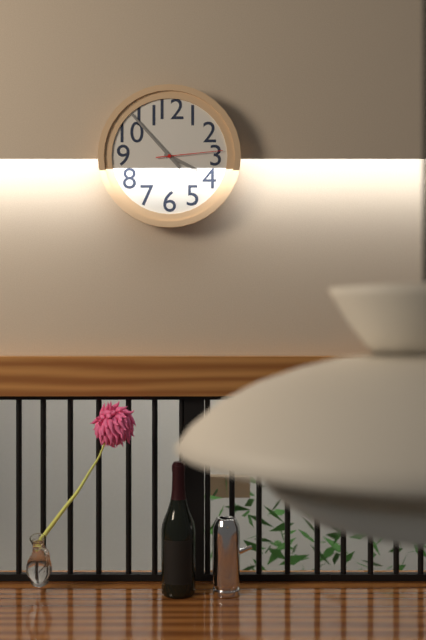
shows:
3,53,14
